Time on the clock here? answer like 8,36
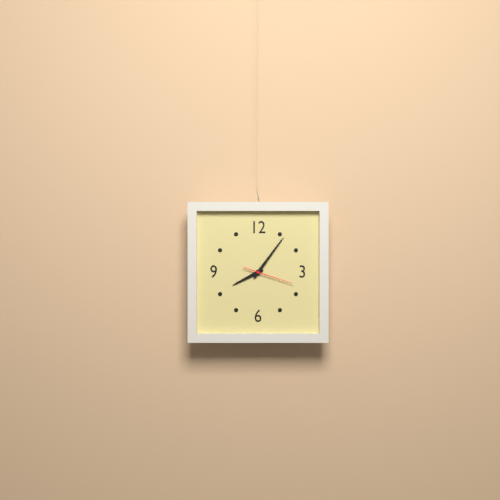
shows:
8,06
